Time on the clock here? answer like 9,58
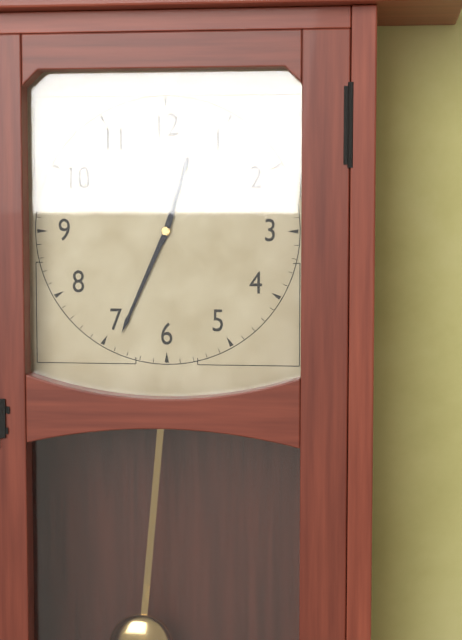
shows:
12,34
